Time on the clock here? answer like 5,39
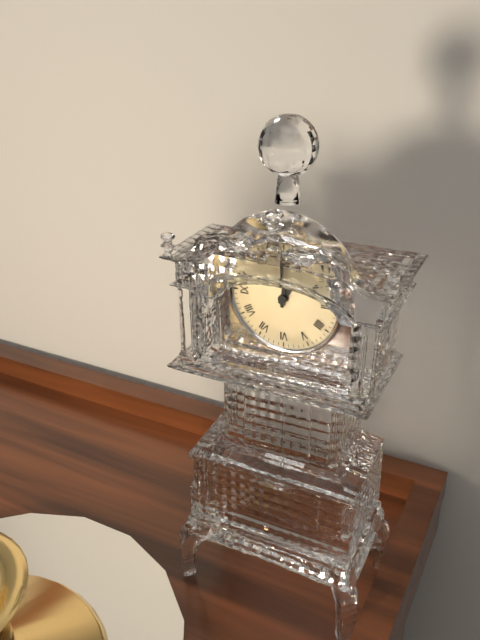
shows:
1,01
